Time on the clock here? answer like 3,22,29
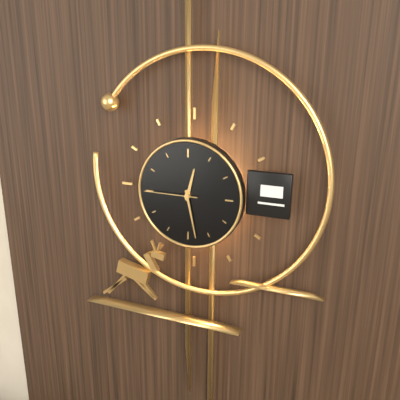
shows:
12,28,45
